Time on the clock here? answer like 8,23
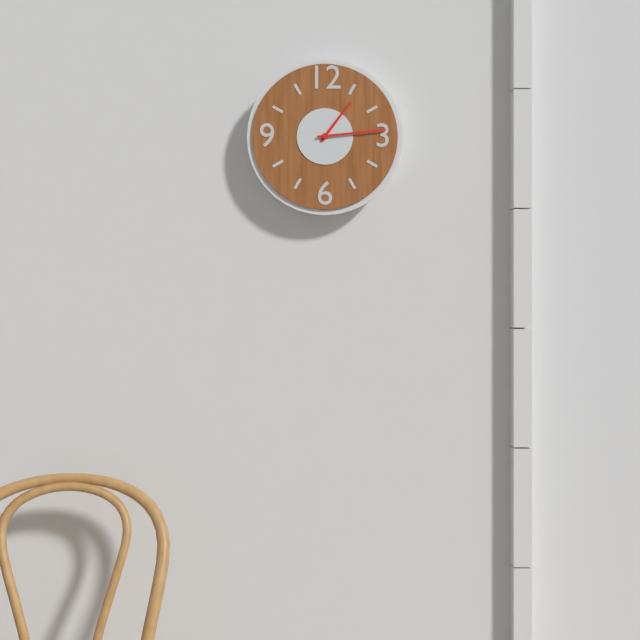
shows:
1,14
